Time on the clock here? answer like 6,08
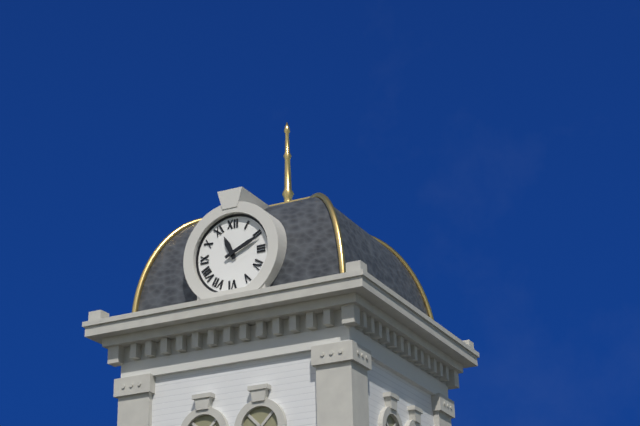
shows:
11,11
